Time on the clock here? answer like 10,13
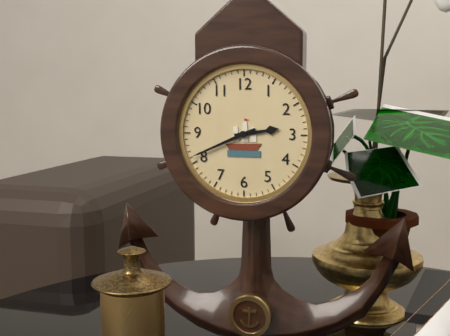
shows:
2,41
